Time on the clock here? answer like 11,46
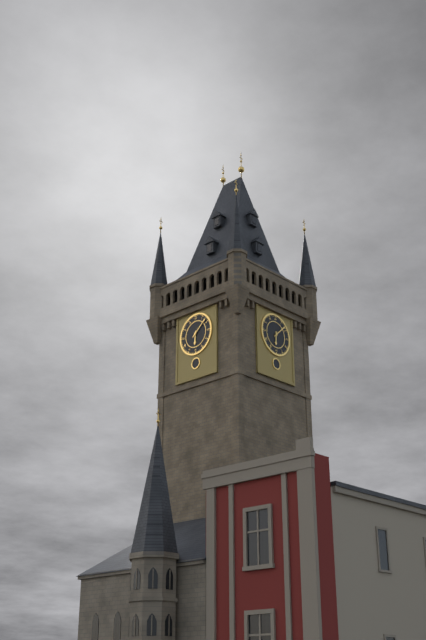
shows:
6,08
